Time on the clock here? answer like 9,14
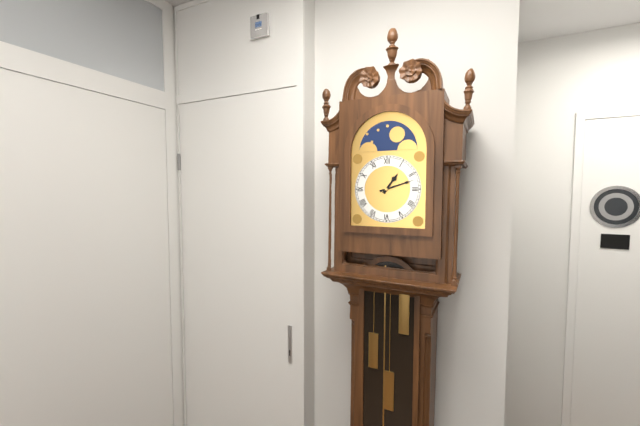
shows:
1,12
